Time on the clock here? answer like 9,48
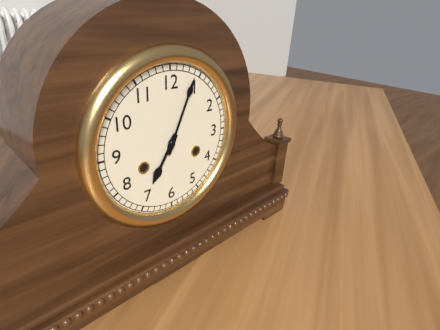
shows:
7,04
